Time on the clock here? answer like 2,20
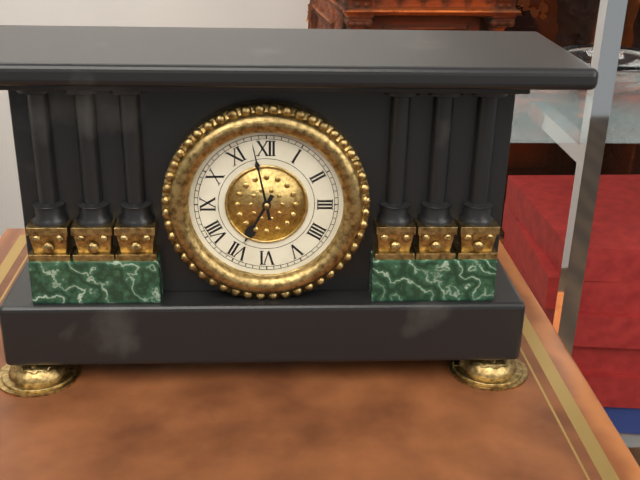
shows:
6,58
